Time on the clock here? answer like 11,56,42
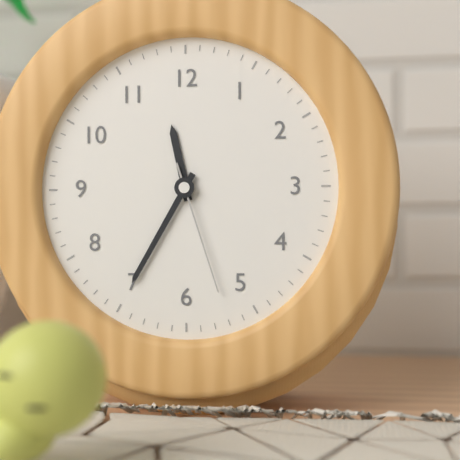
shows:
11,35,27
